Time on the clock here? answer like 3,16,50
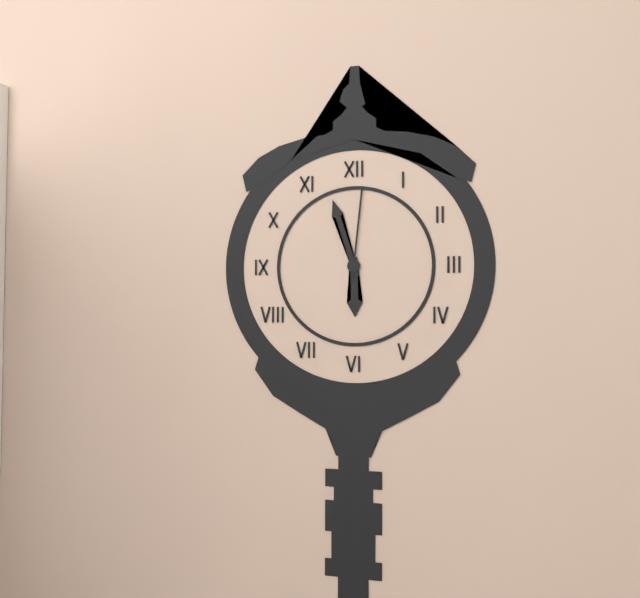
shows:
5,57,01
